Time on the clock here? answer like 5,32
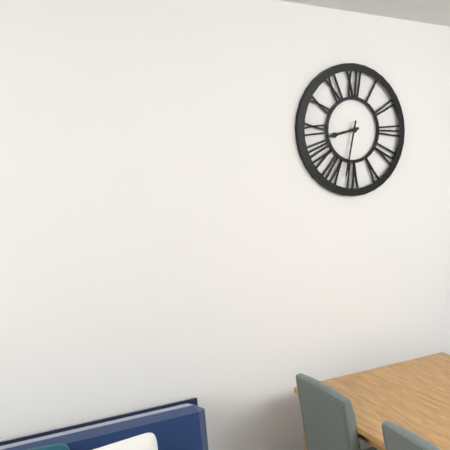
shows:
8,32
